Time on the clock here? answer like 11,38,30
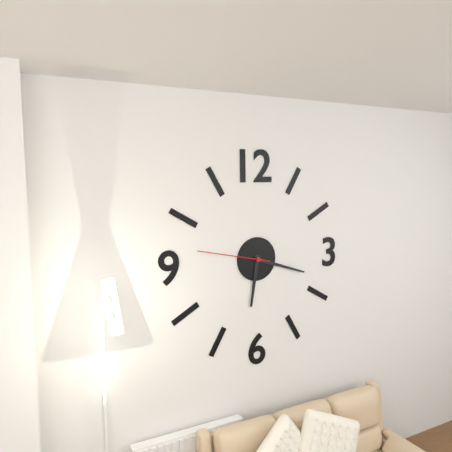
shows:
6,18,47
